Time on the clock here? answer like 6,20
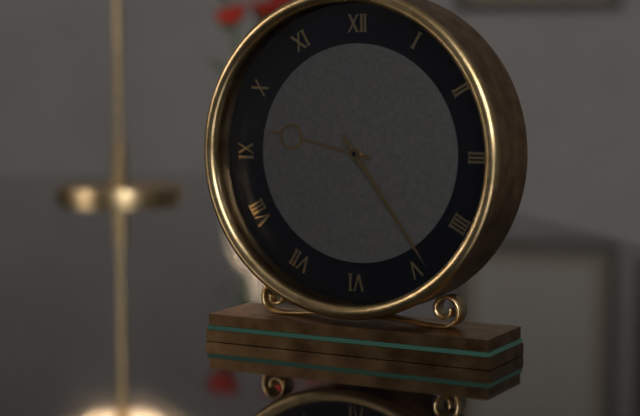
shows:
9,24
